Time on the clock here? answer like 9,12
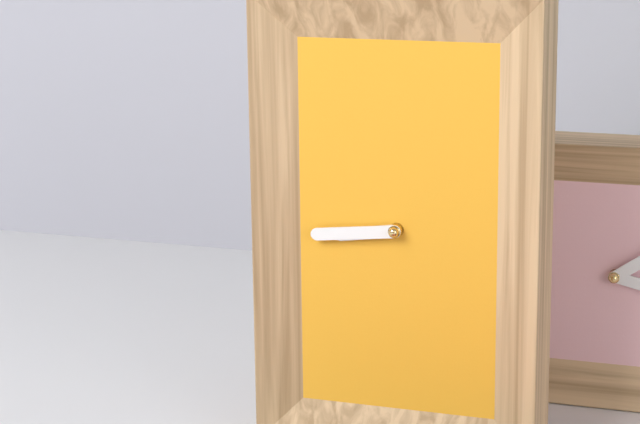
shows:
8,44
